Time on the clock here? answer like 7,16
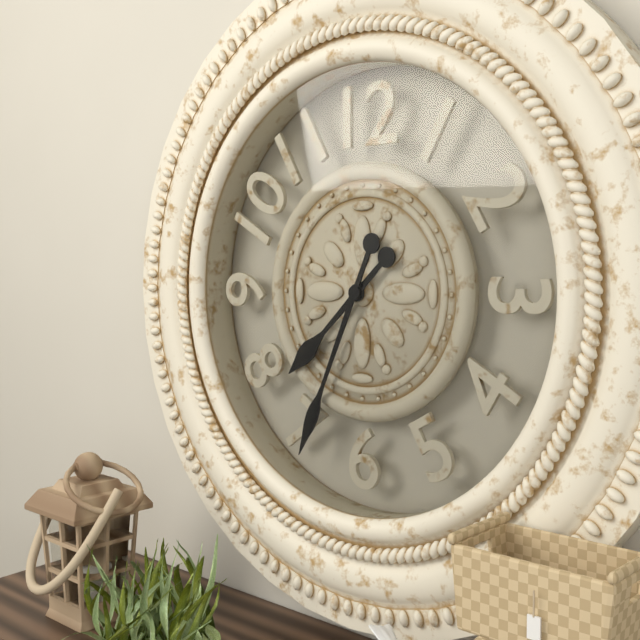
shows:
7,34
